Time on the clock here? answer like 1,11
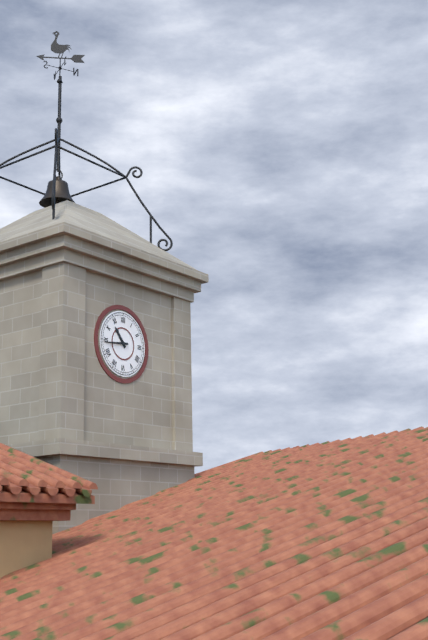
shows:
10,44
